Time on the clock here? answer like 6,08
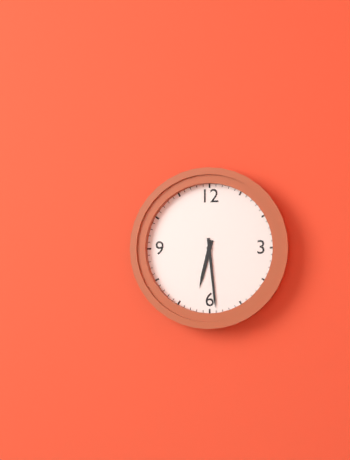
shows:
6,29
